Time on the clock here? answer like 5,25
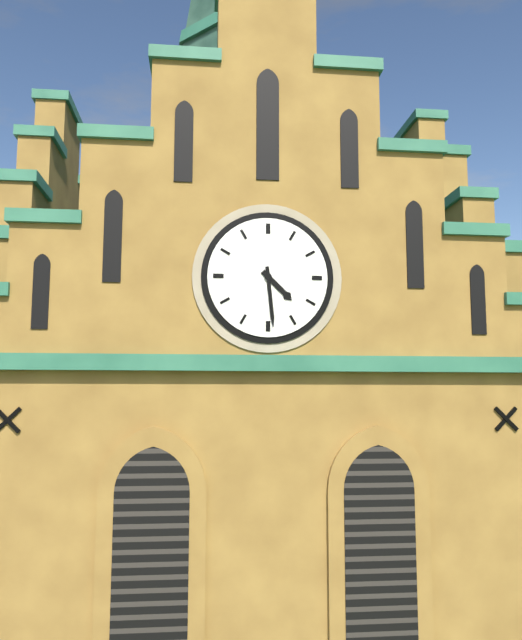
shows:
4,29
